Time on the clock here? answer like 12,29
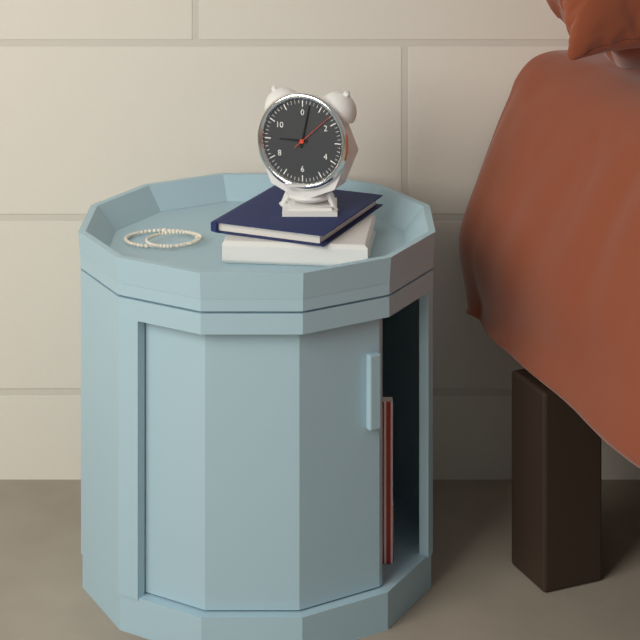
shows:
9,02
